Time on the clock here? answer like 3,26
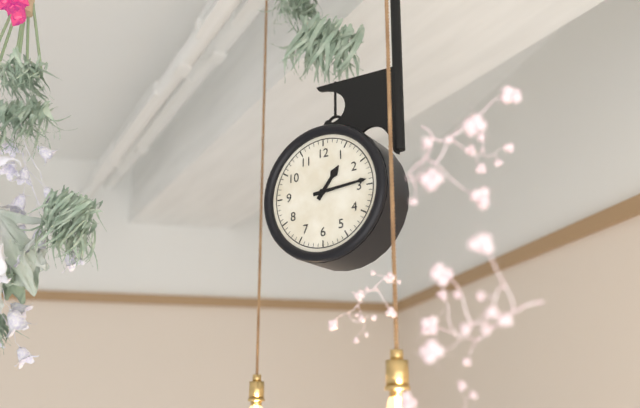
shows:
1,14
